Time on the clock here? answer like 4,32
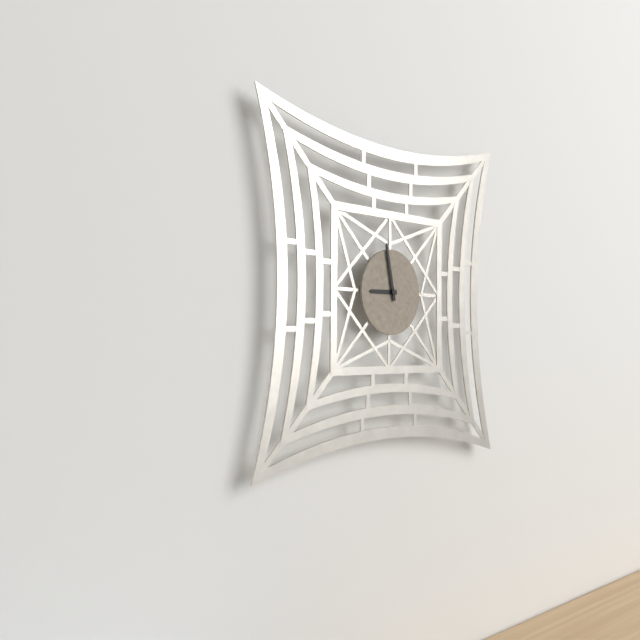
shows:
8,58
